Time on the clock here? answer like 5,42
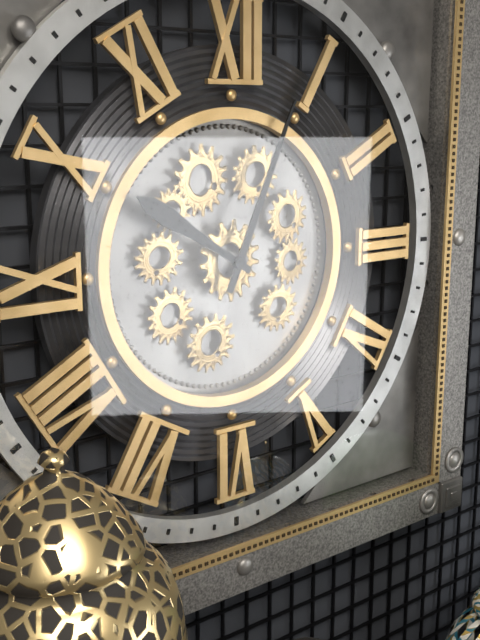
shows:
10,04
